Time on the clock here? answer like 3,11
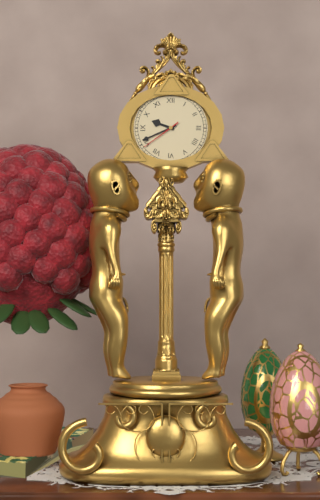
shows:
9,41
